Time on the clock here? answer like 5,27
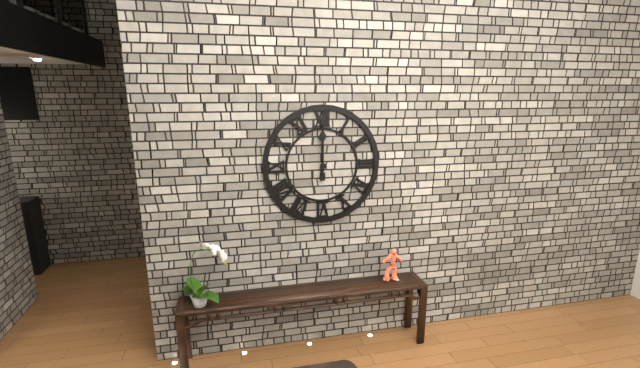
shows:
12,00
